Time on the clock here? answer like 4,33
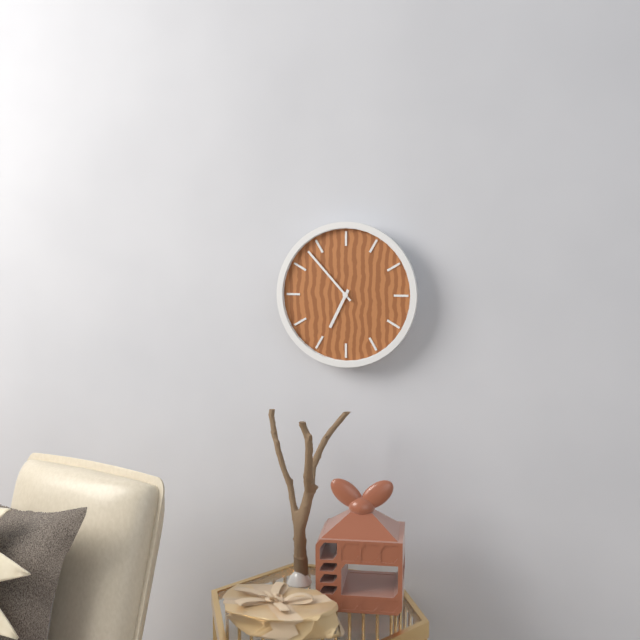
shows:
6,53
